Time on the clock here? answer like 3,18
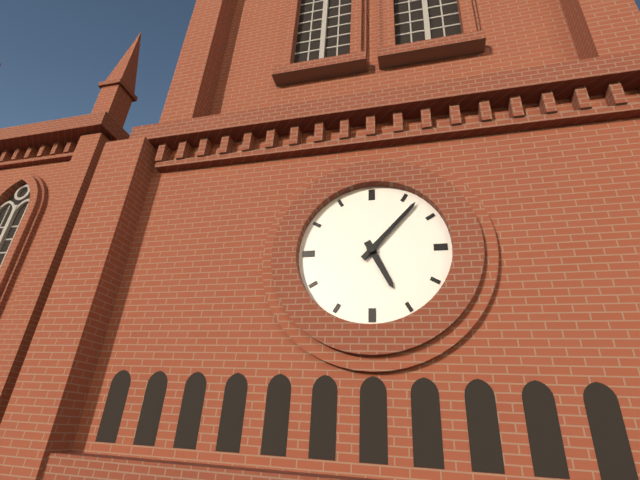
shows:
5,07
